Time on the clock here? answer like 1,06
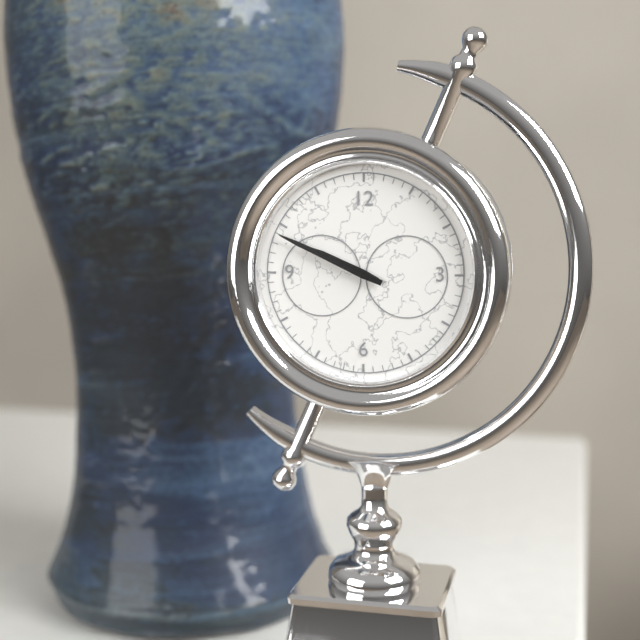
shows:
9,49
